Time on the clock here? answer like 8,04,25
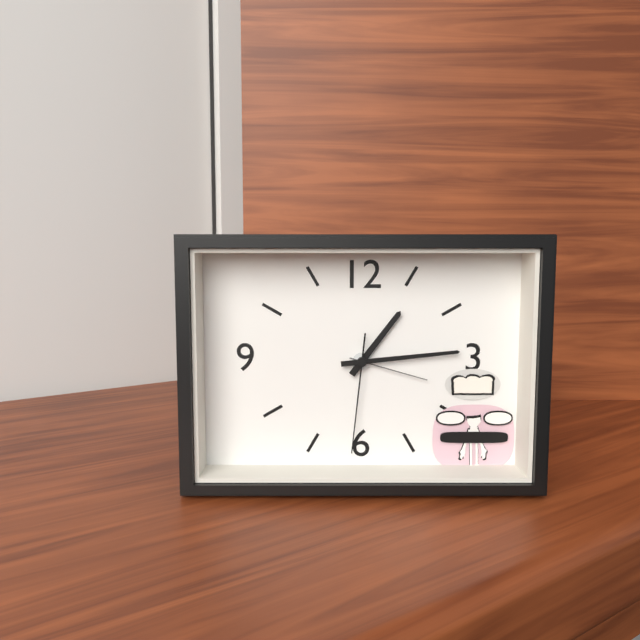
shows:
1,14,31
